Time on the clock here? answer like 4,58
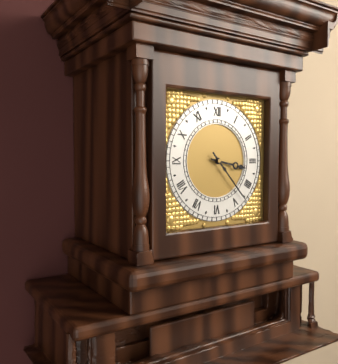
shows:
3,23
